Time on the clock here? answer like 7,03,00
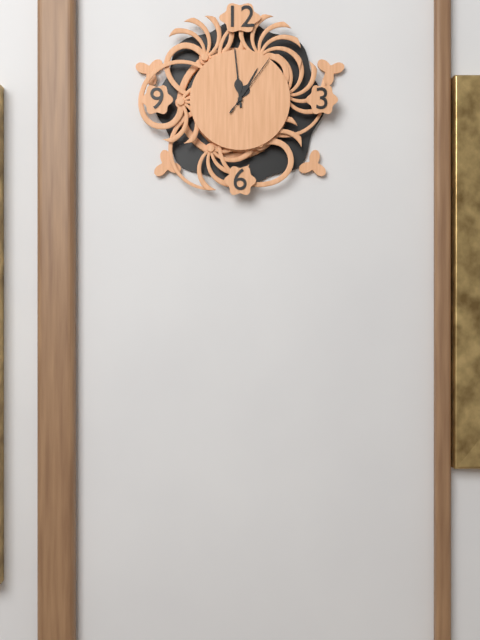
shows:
12,59,06
